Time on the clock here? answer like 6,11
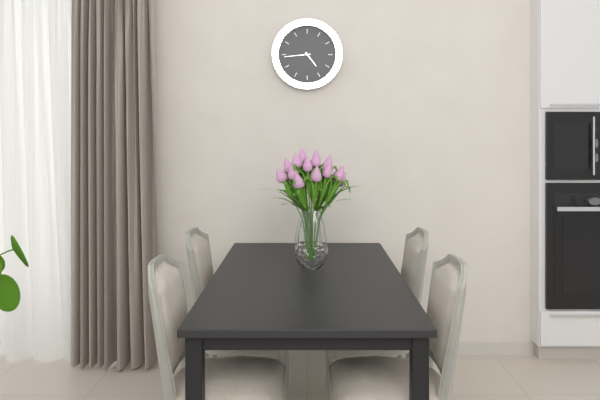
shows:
4,44
